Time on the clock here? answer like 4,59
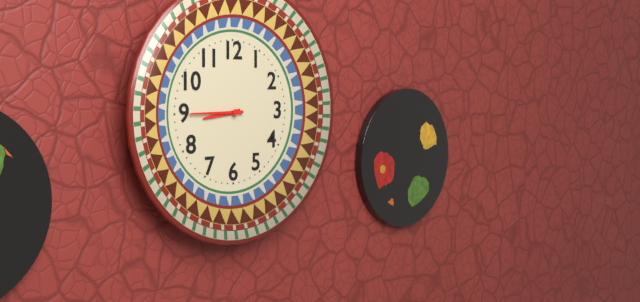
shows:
8,45
